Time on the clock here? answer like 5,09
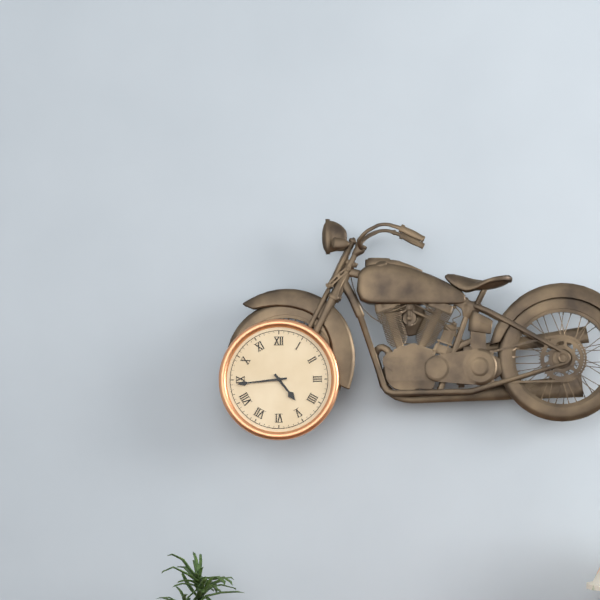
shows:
4,44
